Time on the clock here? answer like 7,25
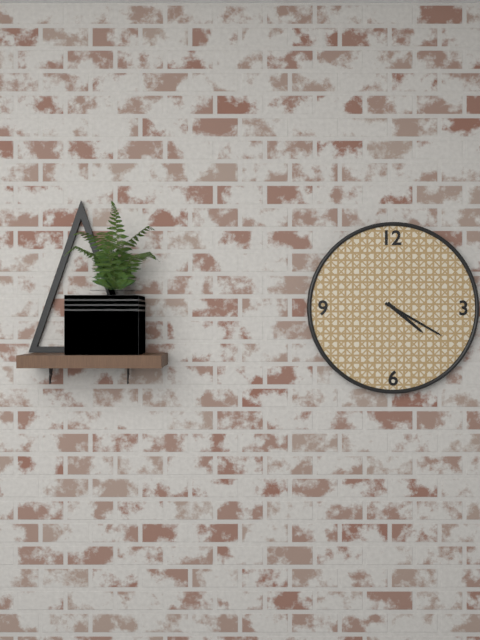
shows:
4,20
